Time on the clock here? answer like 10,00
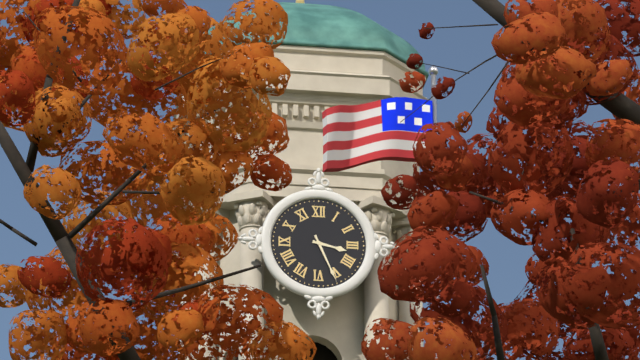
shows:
3,26
